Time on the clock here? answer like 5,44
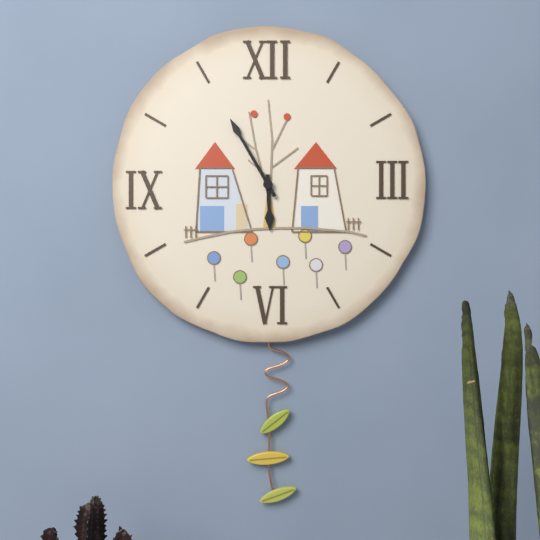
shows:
5,55
